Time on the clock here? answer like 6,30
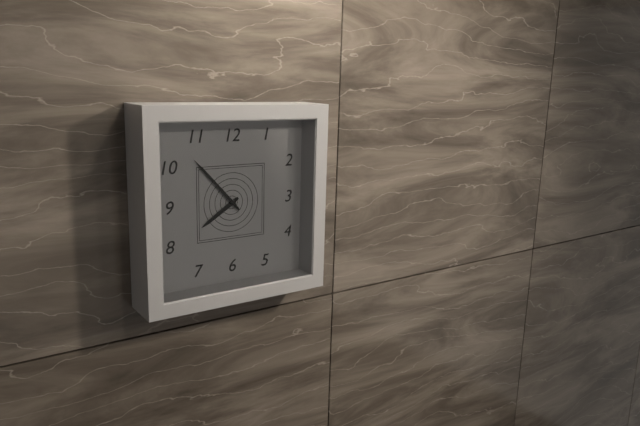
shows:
7,53
